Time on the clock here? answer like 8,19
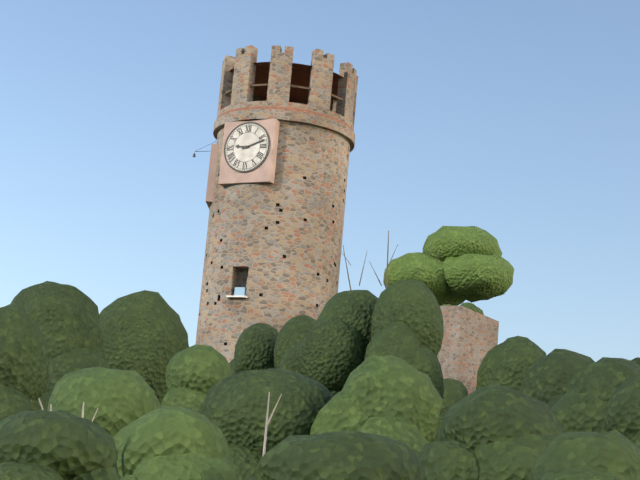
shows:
9,12
